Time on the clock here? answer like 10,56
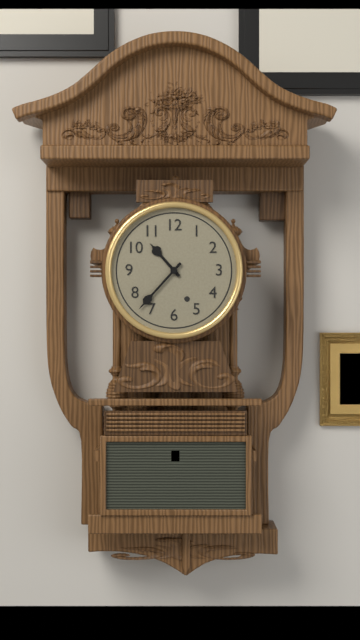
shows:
10,37
